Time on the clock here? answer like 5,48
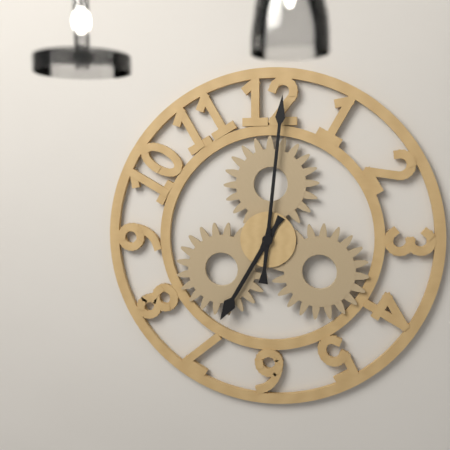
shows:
7,01
